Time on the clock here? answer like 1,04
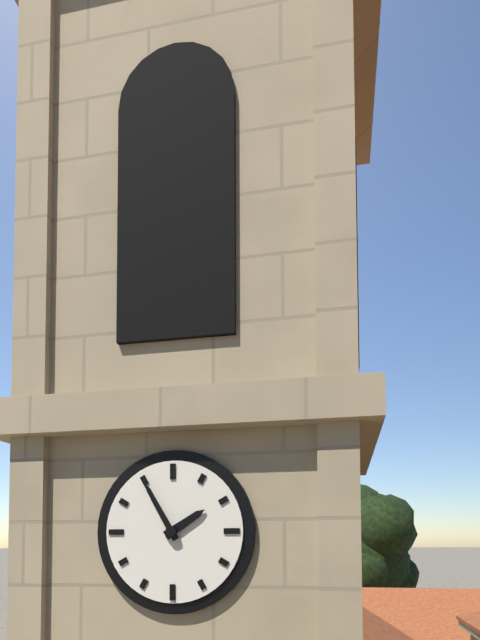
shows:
1,55
